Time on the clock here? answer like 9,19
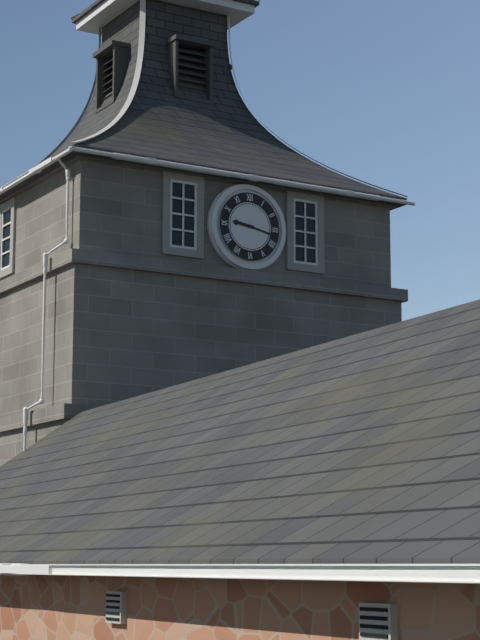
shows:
9,17
